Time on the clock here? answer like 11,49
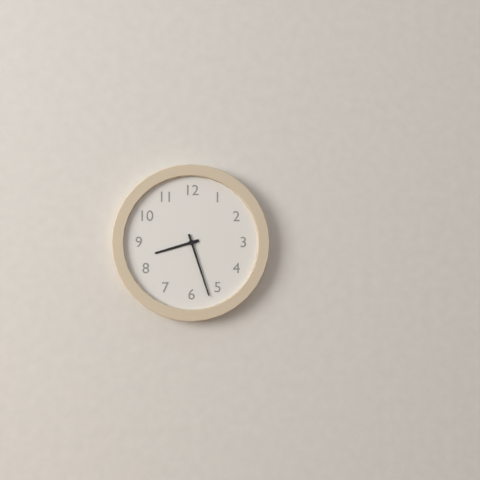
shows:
8,27
